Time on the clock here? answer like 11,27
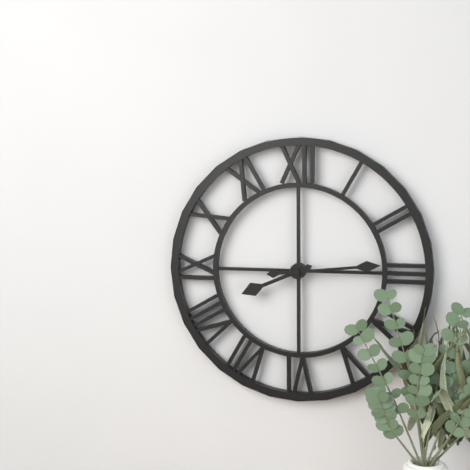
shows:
8,14
